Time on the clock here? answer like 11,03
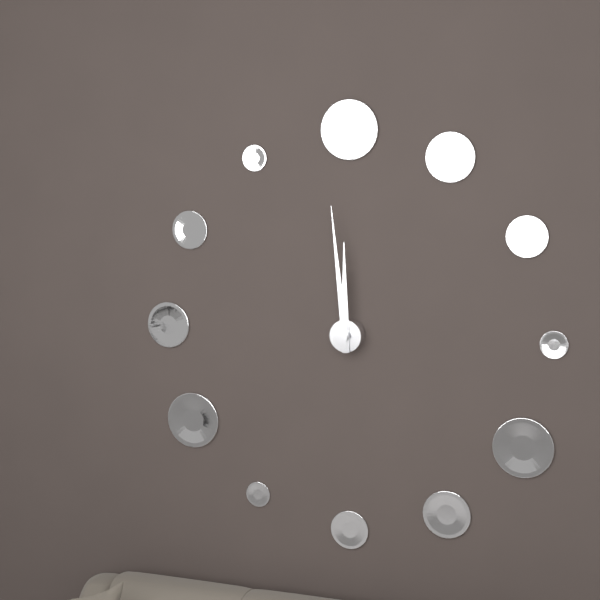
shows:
11,59
